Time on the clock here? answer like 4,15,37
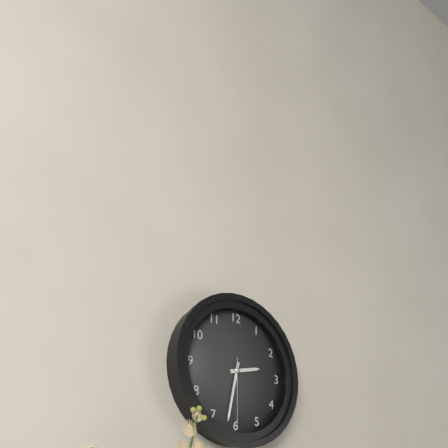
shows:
2,32,30
